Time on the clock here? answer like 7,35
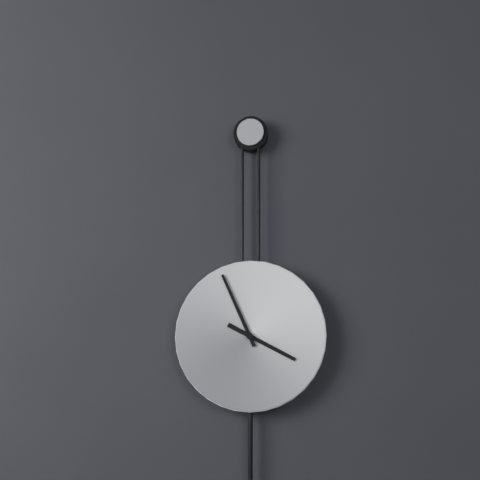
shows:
3,56
